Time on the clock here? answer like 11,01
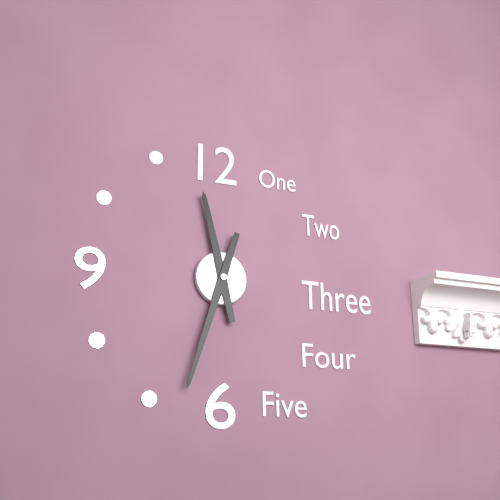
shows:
11,33
